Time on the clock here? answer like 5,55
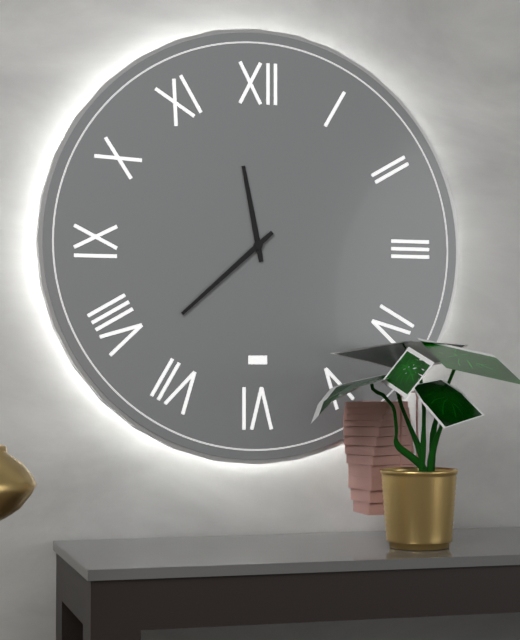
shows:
11,38
